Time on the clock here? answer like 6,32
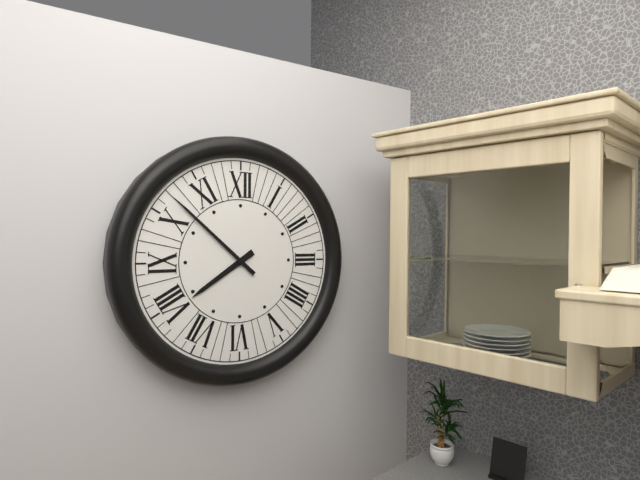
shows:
7,52
